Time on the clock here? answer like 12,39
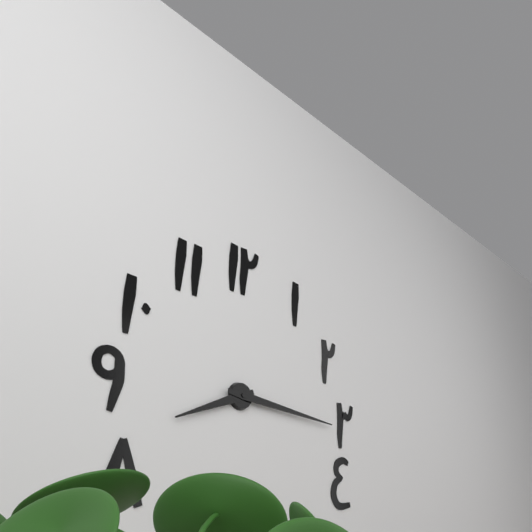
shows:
8,16
